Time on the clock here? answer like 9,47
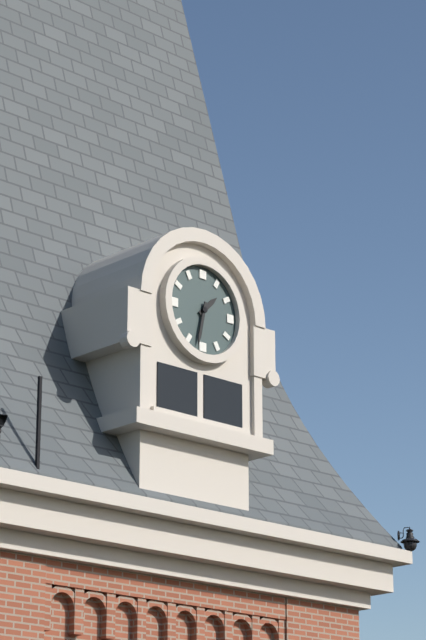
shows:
1,32
